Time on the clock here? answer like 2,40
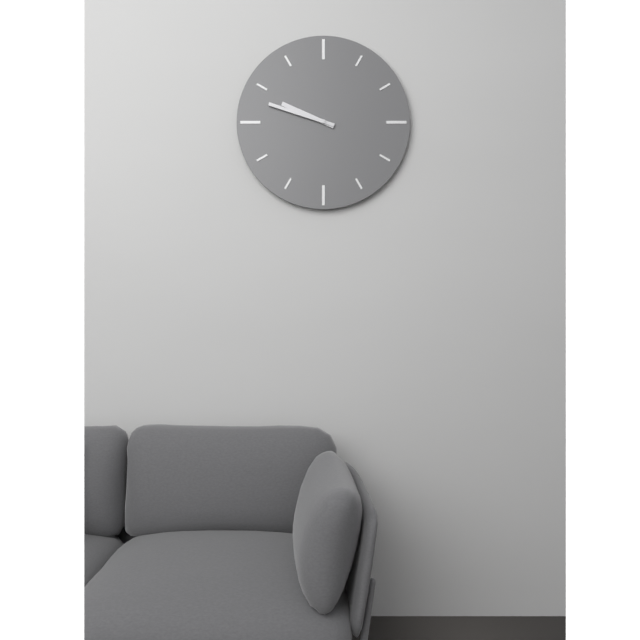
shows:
9,48
